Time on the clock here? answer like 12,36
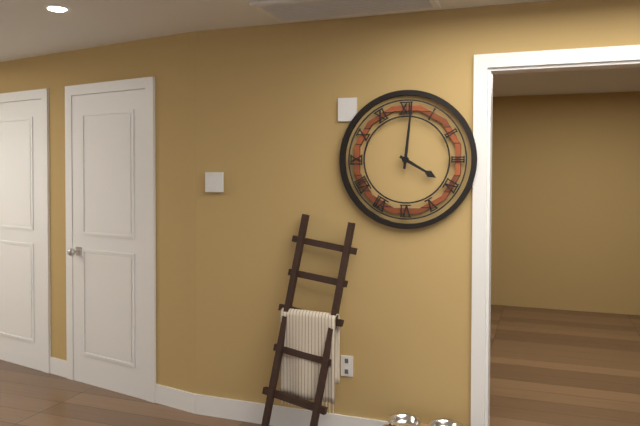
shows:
4,01
